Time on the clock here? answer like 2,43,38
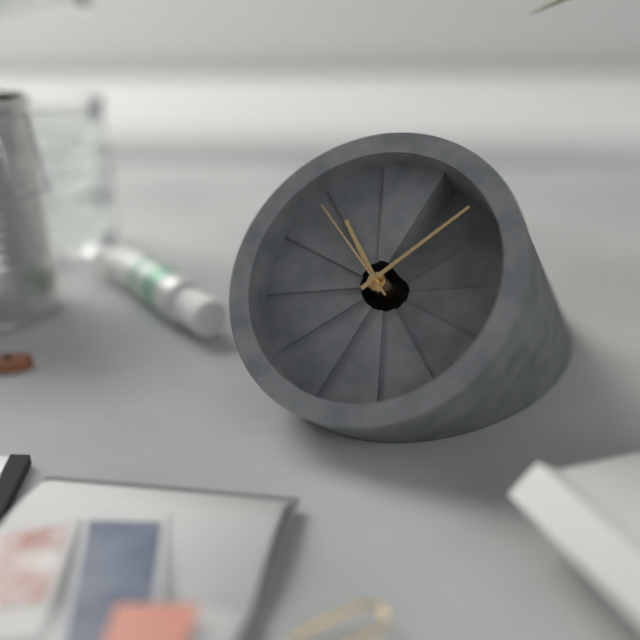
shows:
10,04,49
